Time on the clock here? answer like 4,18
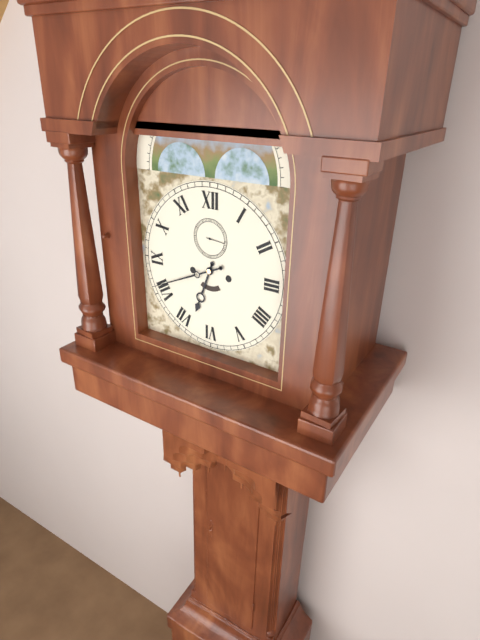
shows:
6,41
